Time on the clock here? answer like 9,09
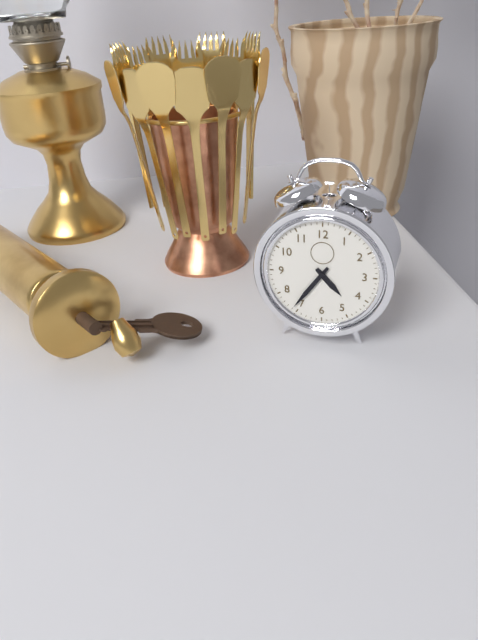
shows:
4,36
